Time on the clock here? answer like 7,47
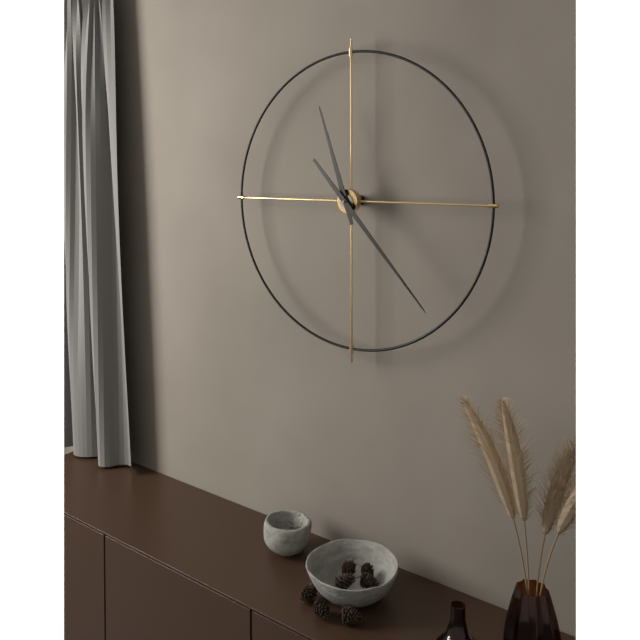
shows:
11,23
